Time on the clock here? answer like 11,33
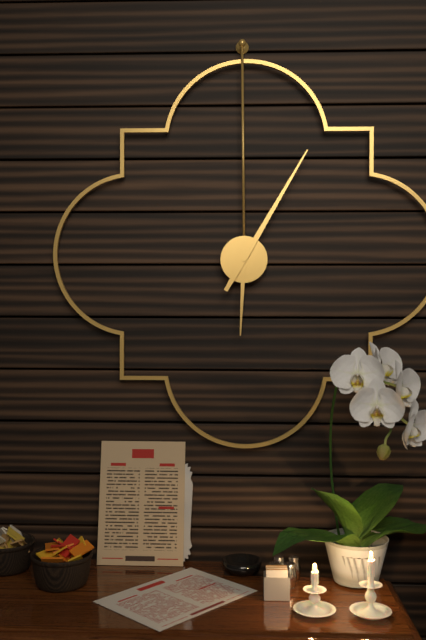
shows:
6,05
